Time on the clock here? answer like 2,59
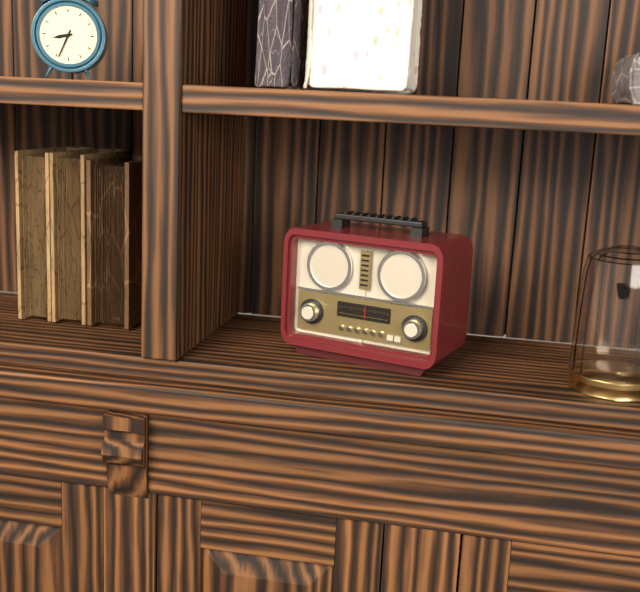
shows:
8,34
